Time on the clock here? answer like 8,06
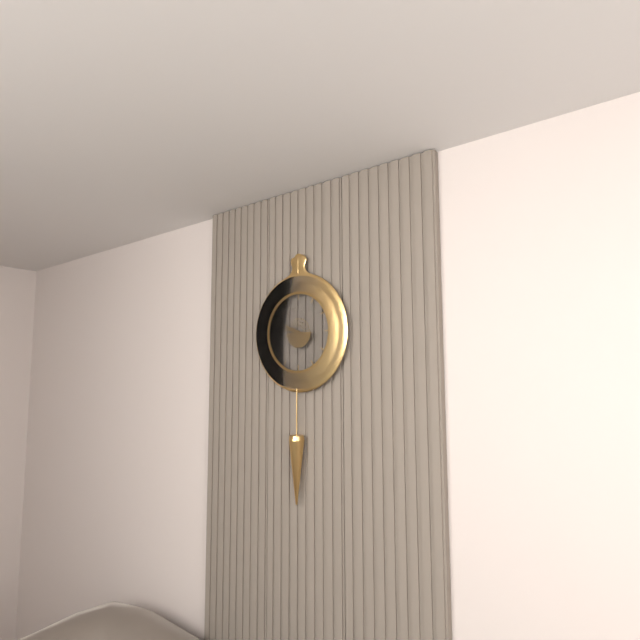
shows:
9,47
